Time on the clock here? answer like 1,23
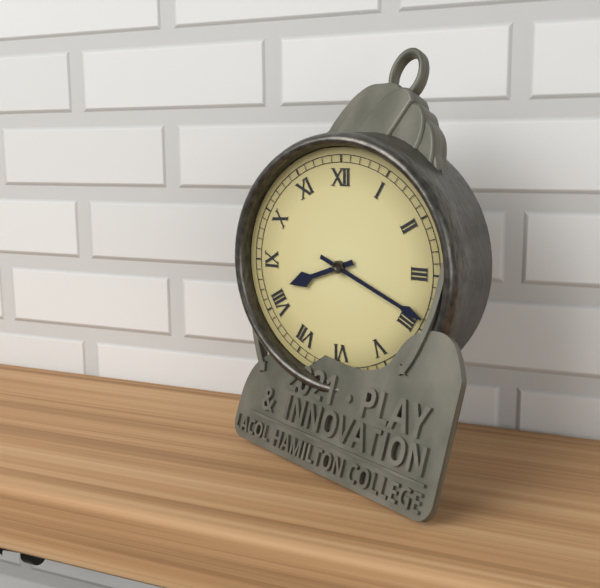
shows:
8,19
